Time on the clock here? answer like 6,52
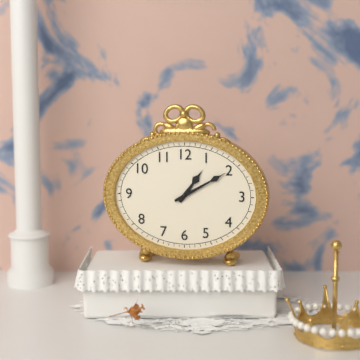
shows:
1,10
